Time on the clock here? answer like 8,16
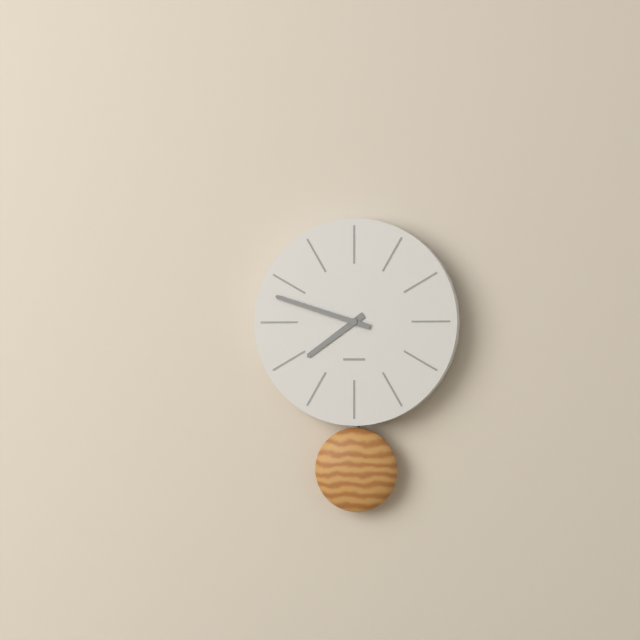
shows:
7,48
